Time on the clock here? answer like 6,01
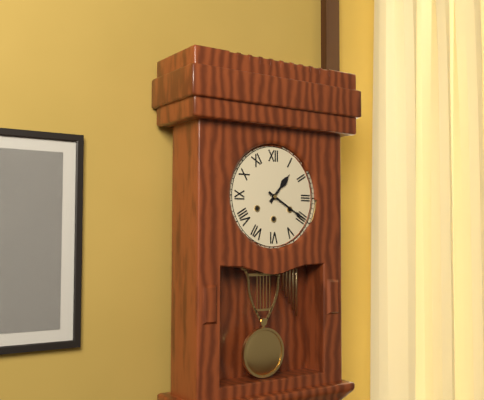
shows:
1,20
